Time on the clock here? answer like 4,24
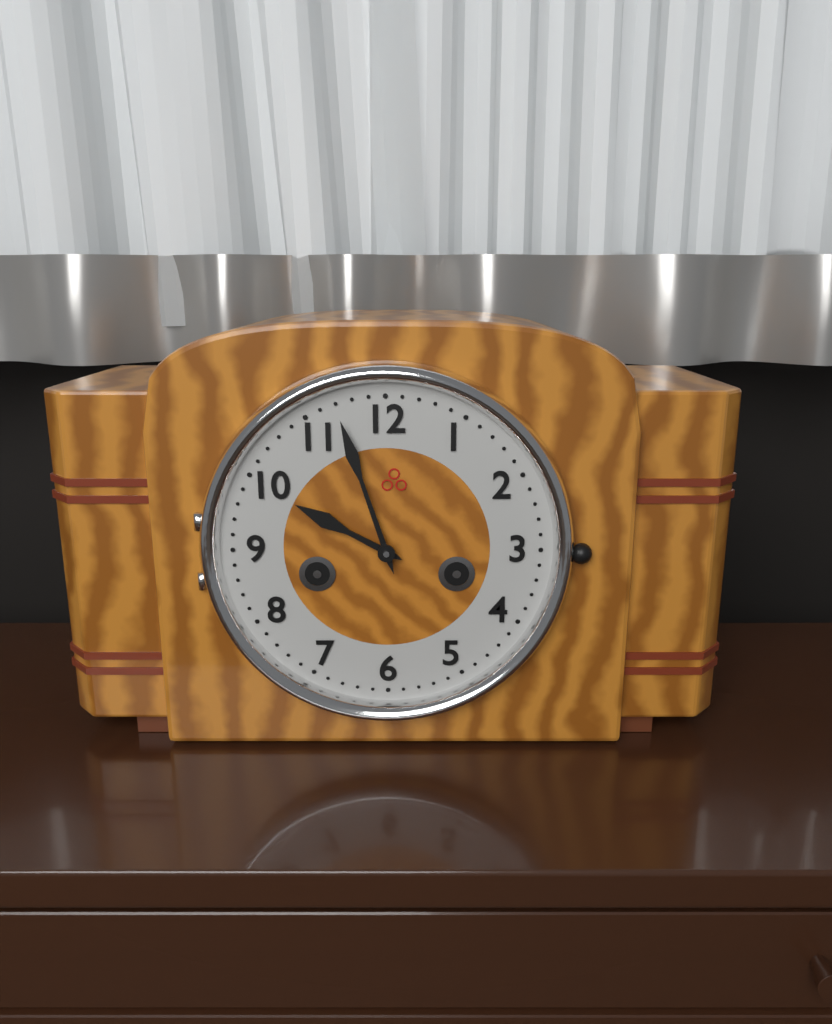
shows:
9,57
